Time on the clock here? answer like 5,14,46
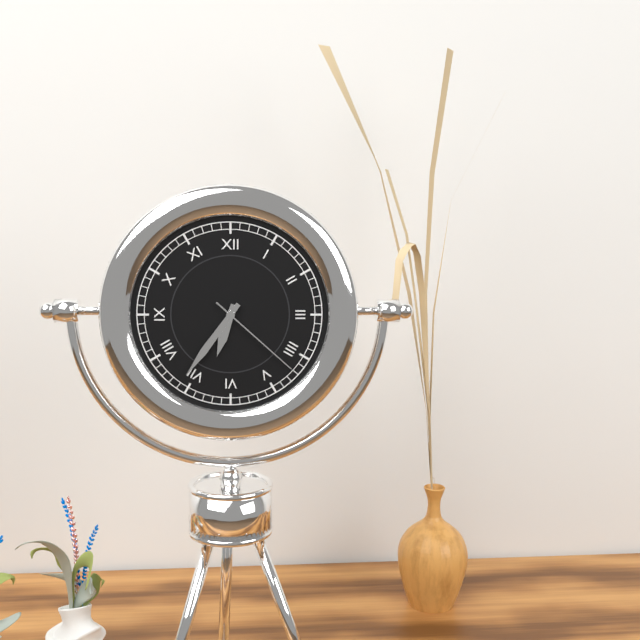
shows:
6,36,22
